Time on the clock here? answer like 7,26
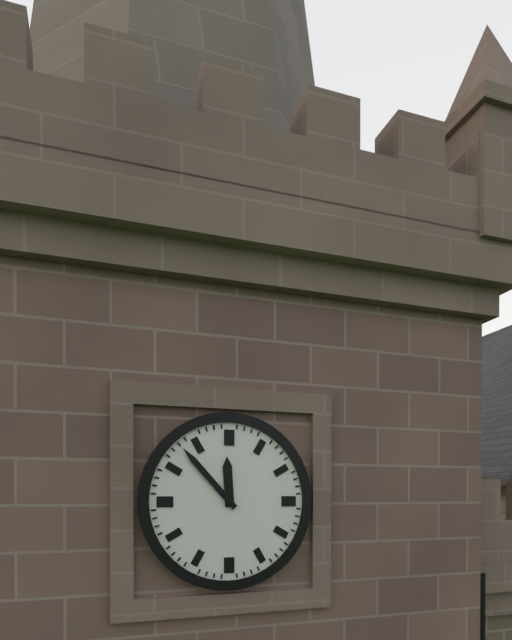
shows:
11,53
